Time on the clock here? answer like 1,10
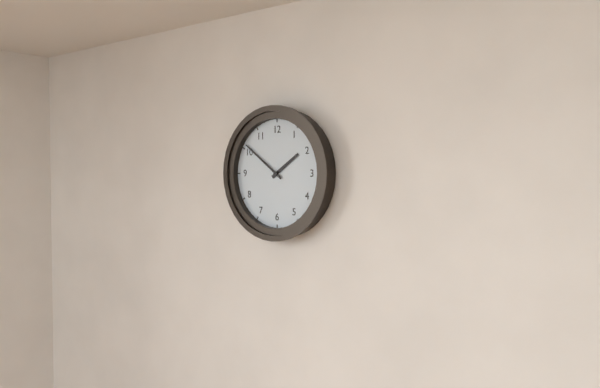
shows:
1,51
